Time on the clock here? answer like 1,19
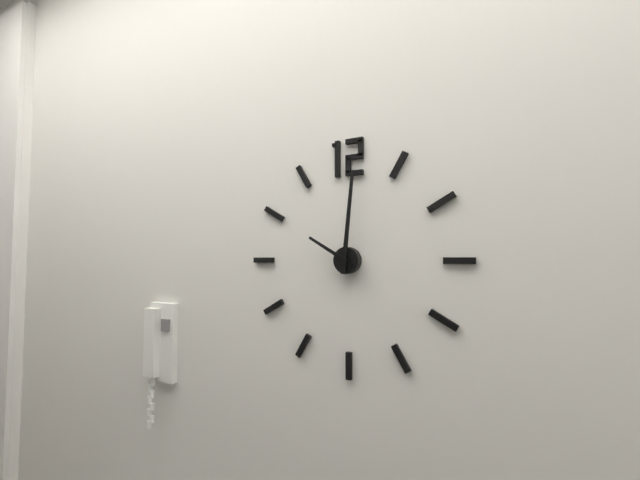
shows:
10,01
